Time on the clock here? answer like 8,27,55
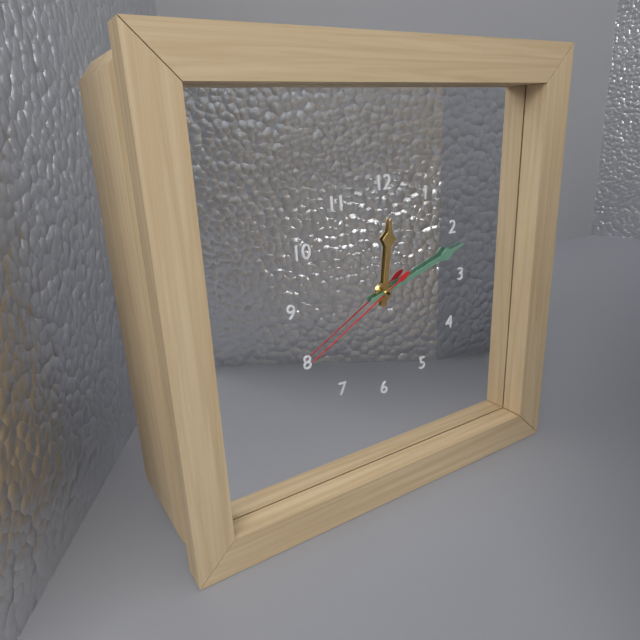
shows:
12,12,40
